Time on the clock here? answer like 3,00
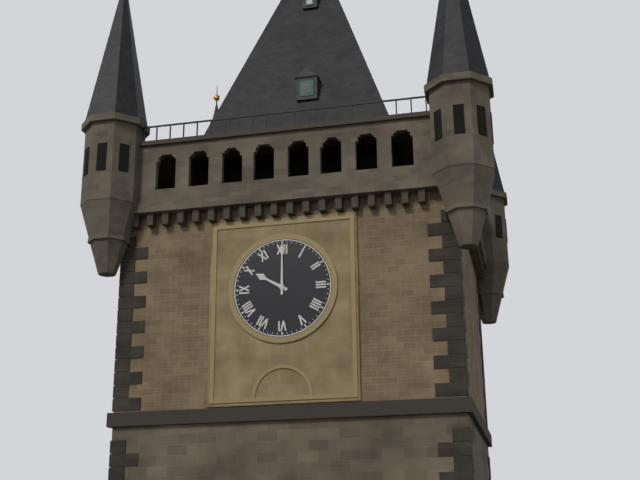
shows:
10,00
